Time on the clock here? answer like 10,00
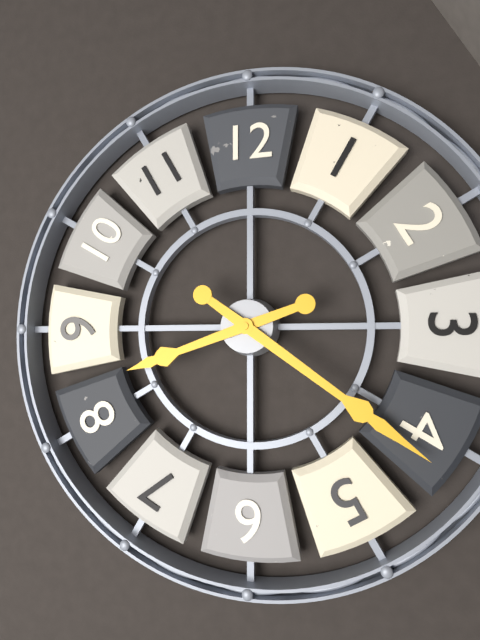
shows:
8,21
